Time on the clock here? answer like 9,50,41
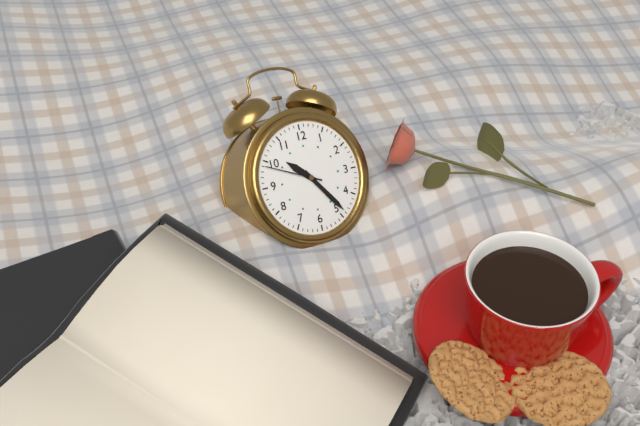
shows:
10,24,49
